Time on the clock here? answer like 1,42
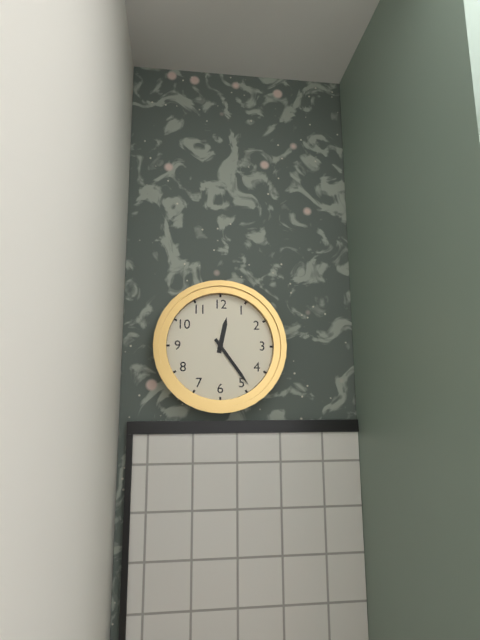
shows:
12,24
